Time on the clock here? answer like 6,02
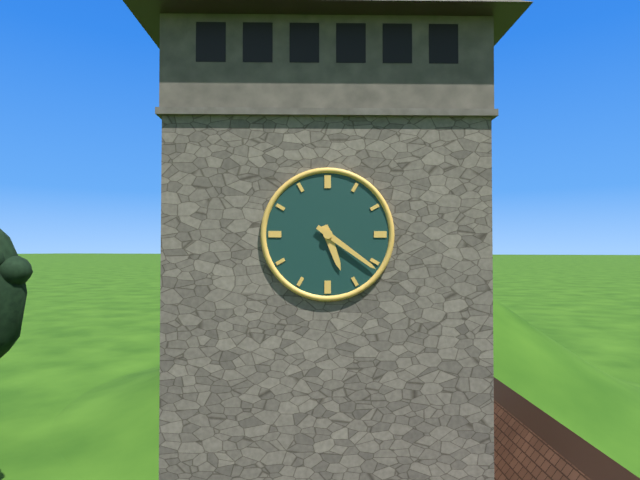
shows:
5,21
